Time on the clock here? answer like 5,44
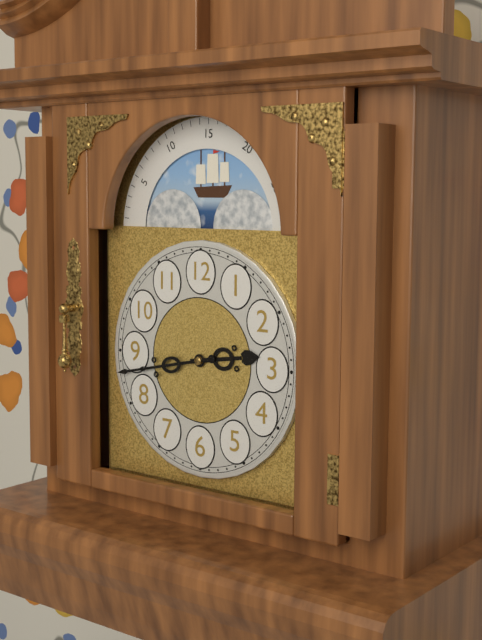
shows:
2,43
